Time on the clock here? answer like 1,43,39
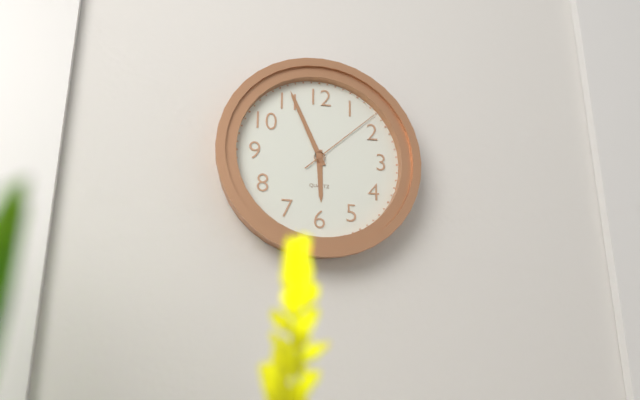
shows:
5,56,08
